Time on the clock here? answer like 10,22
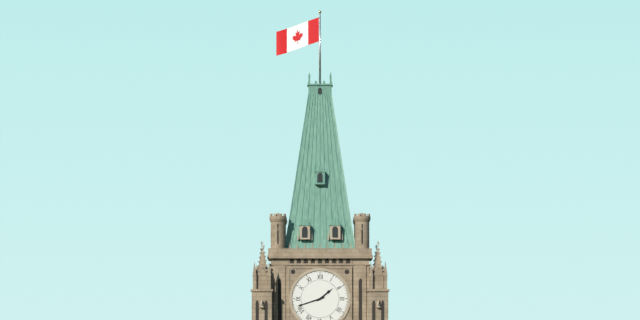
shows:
1,42
